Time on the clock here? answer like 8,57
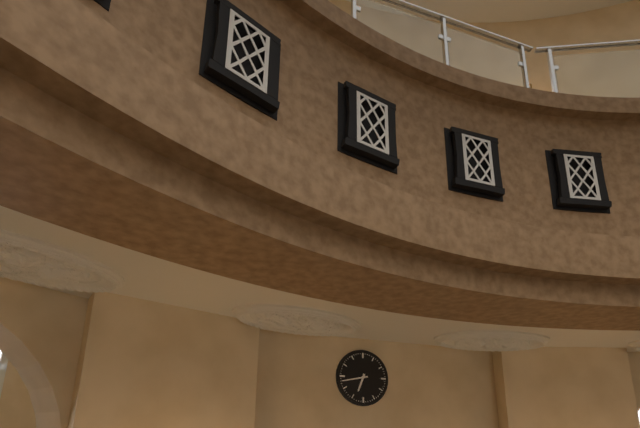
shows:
6,43
